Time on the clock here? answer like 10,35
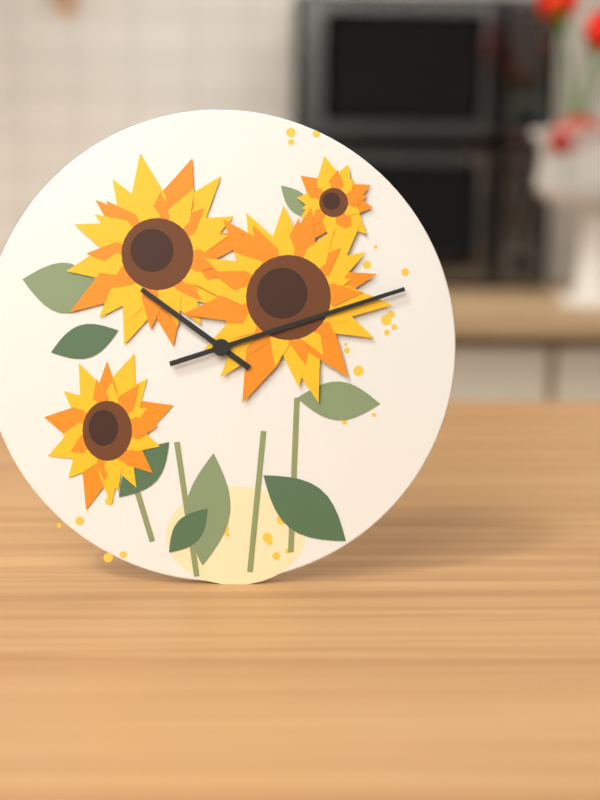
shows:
10,12
